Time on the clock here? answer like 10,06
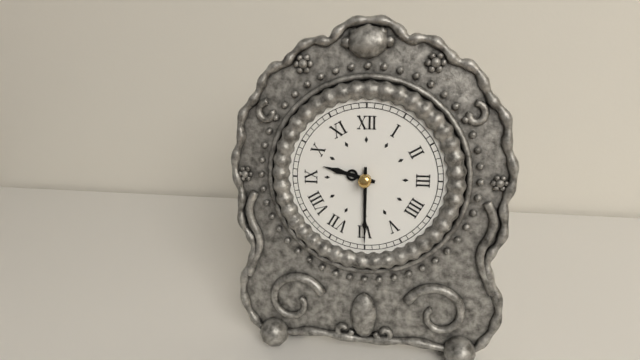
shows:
9,30
